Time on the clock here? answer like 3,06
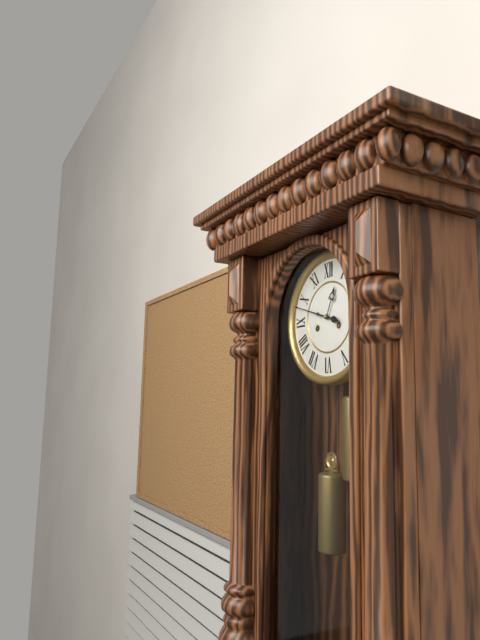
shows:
12,48
